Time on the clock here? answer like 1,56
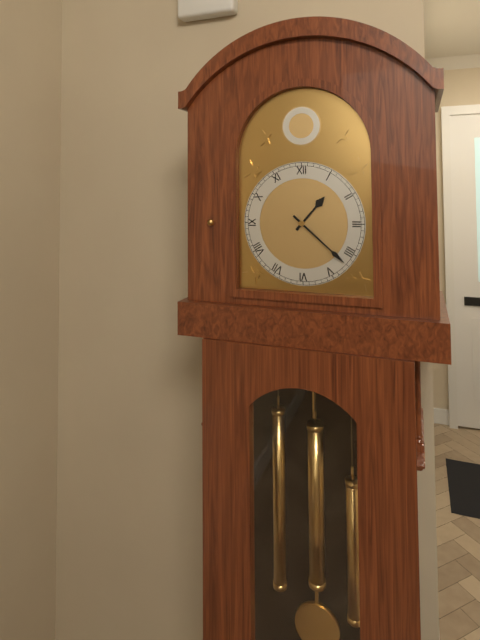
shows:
1,22
